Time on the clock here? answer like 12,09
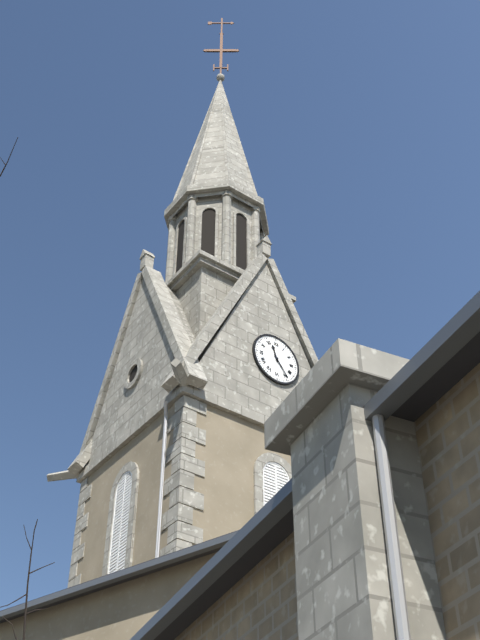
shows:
11,24
